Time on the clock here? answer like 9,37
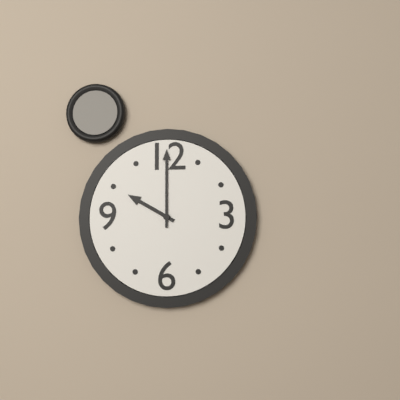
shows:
10,00
